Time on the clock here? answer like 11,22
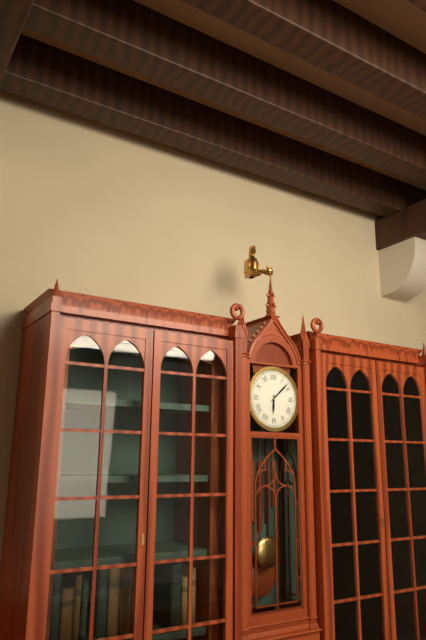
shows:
6,08
